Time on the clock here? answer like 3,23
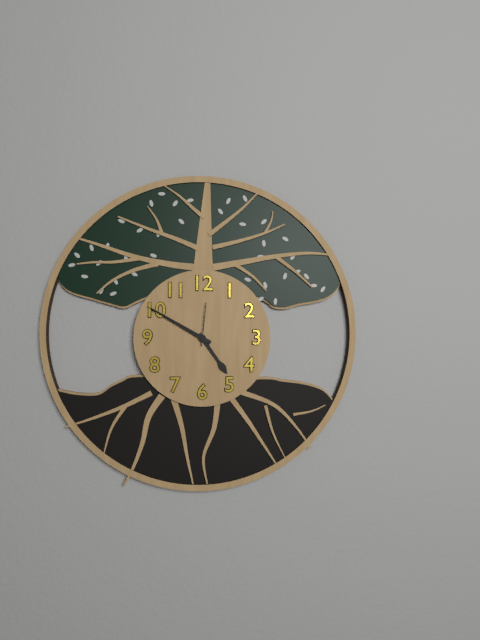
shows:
4,50
